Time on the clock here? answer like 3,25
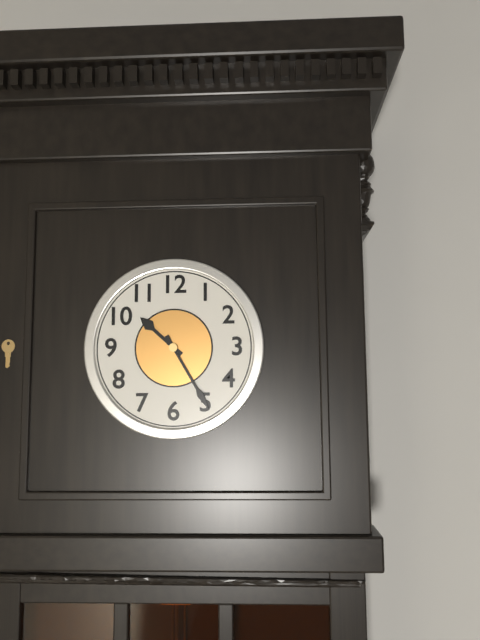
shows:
10,25
